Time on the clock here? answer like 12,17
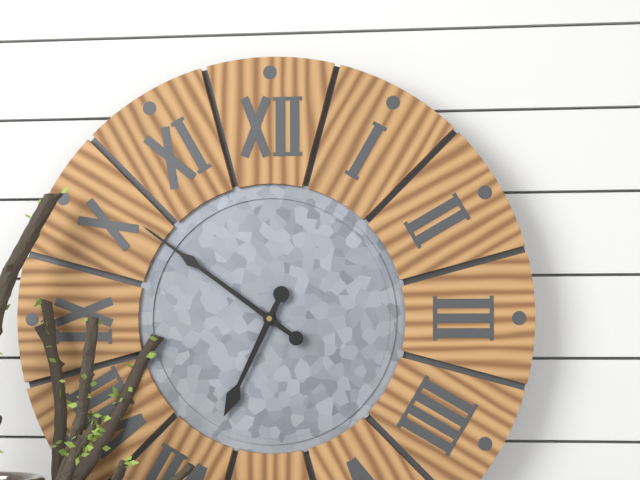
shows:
6,51
